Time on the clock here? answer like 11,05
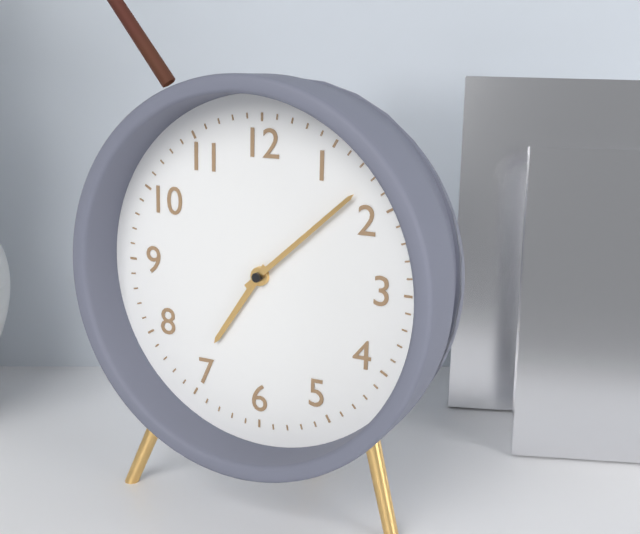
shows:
7,08
